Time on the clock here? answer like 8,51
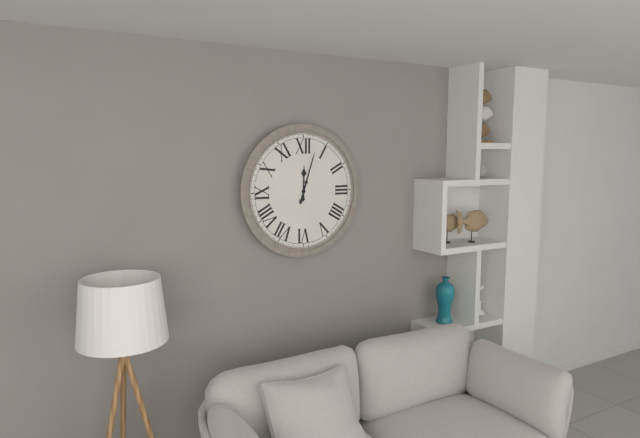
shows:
12,03
